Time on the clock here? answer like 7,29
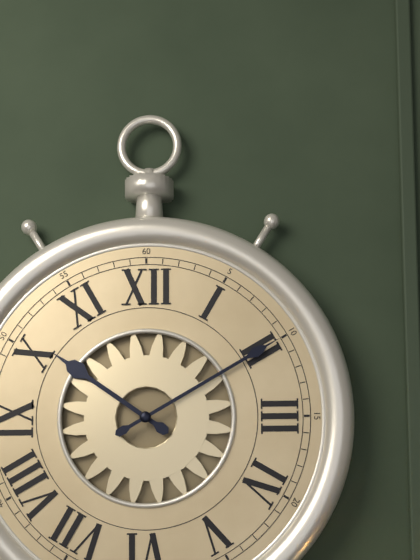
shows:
10,10
